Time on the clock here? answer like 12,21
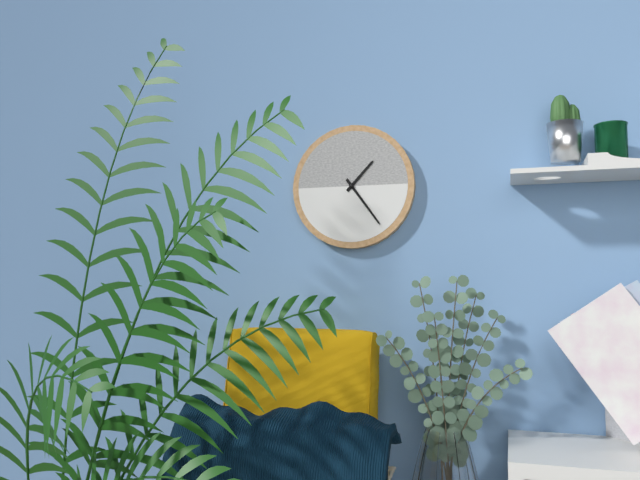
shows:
1,24
